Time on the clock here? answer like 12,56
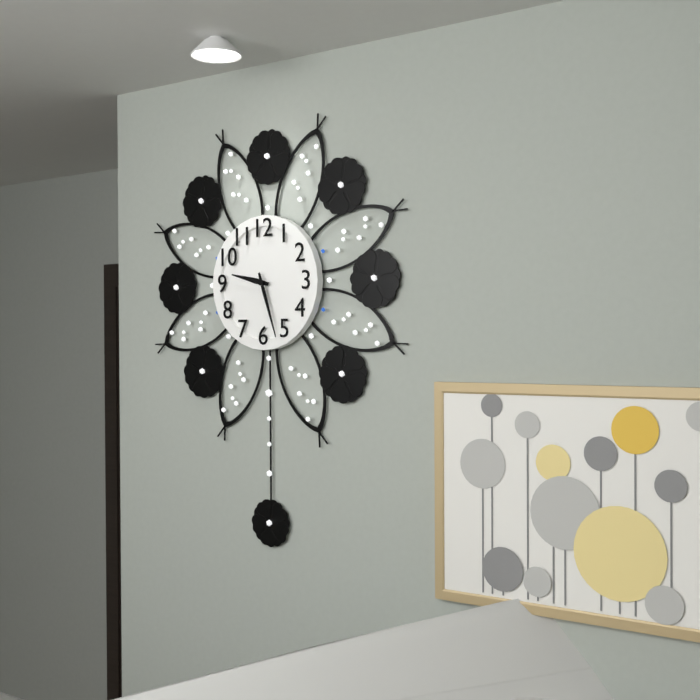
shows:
9,27
